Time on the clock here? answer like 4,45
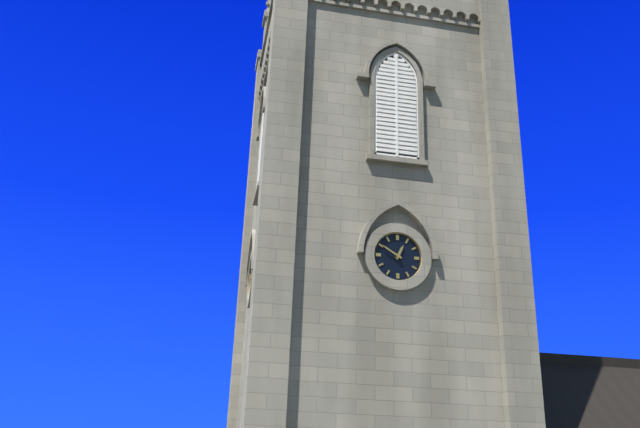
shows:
12,50
